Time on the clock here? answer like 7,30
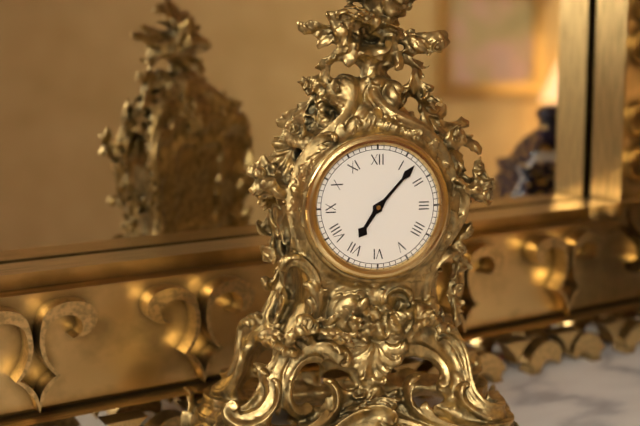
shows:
7,07
